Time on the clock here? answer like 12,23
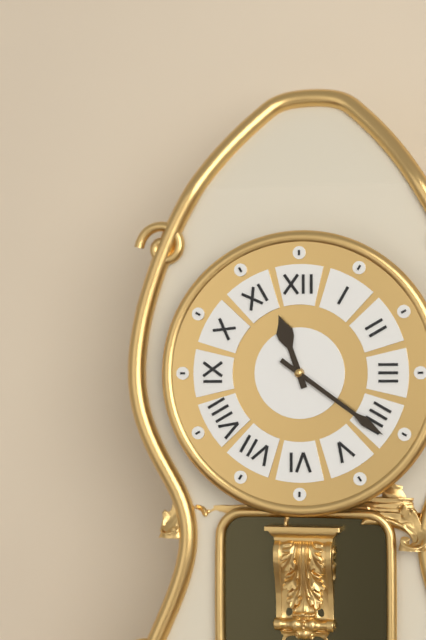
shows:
11,21
